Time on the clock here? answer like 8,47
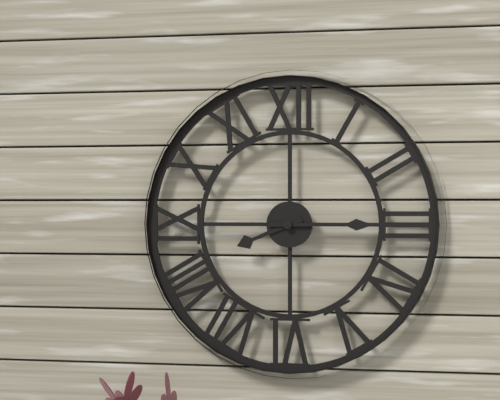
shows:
8,15
